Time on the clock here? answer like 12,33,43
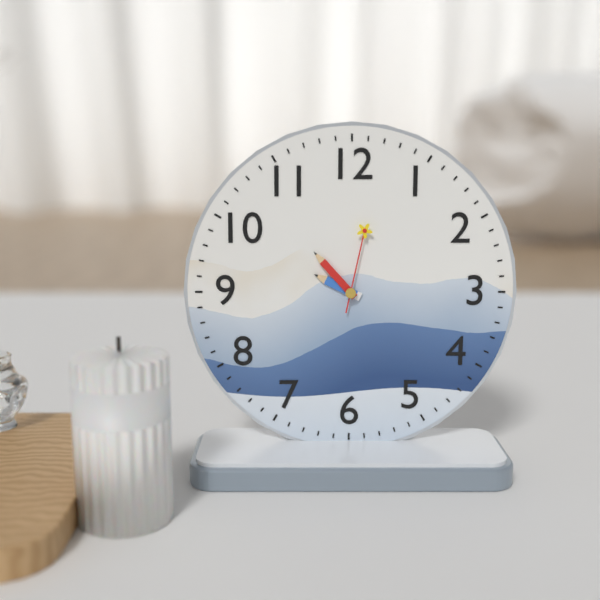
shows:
9,53,02
